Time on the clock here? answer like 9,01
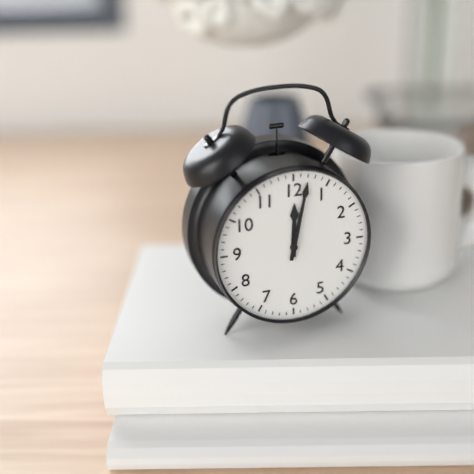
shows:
12,02
